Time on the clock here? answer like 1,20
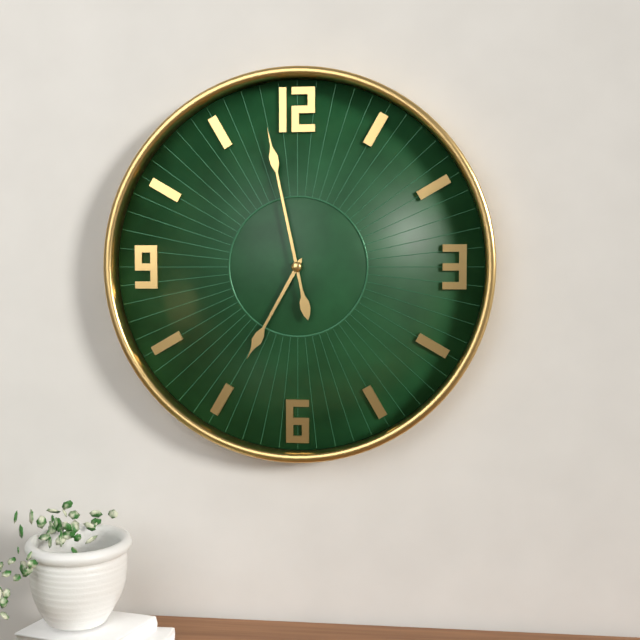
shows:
6,58
